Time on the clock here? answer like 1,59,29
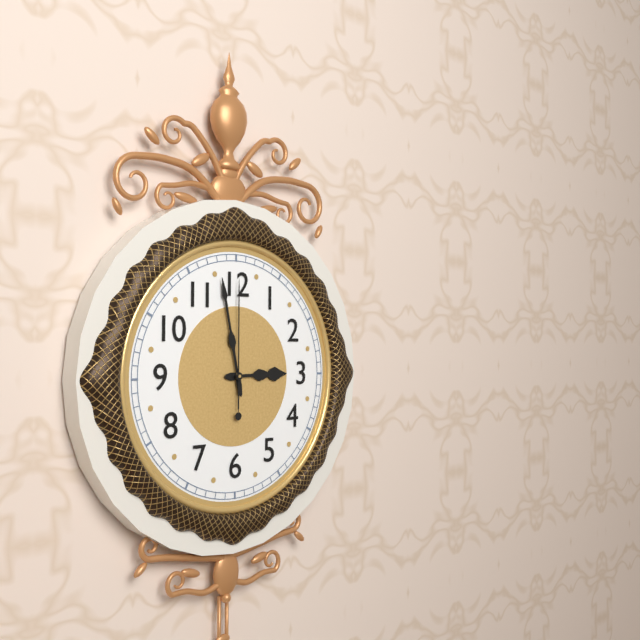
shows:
2,58,00
